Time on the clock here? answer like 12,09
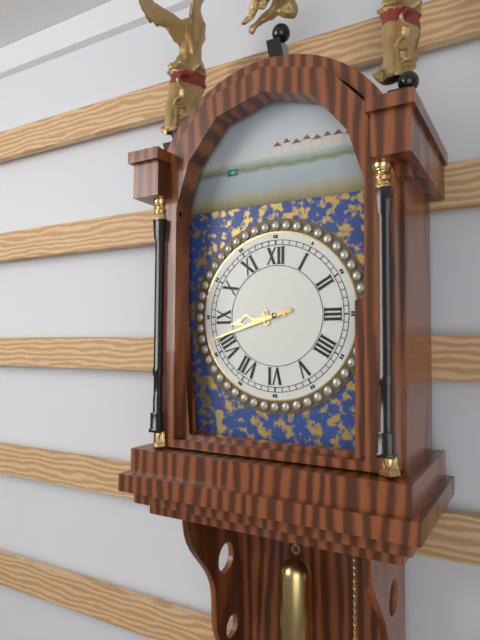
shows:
8,42
